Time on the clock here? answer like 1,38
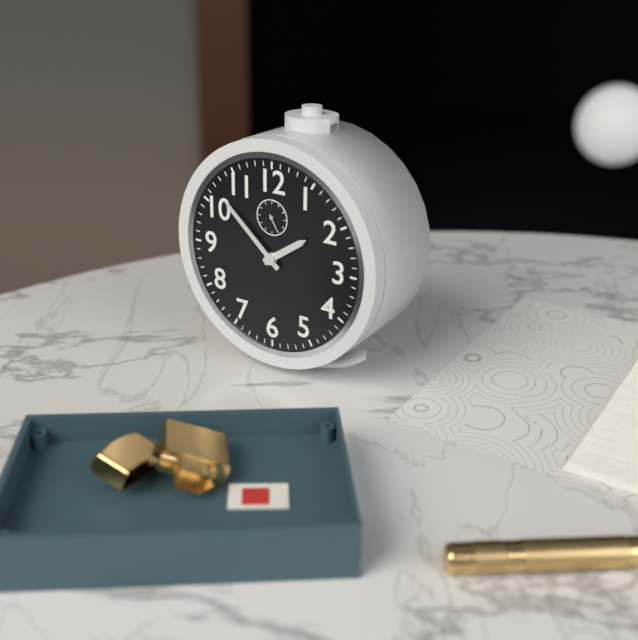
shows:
1,52
